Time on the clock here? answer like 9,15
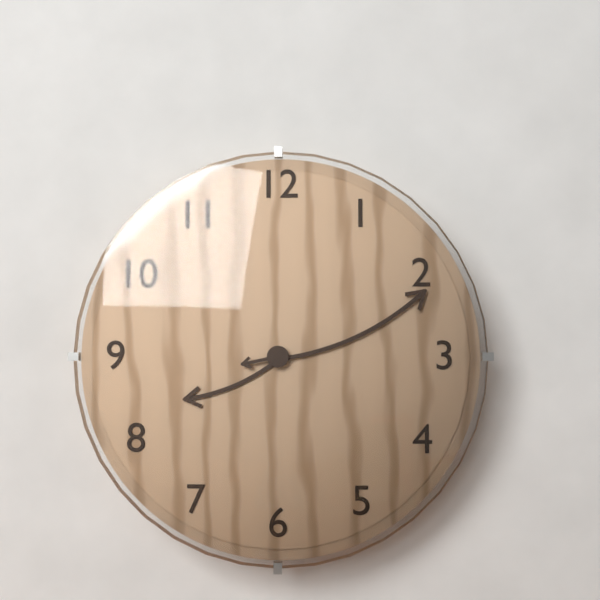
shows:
8,11
